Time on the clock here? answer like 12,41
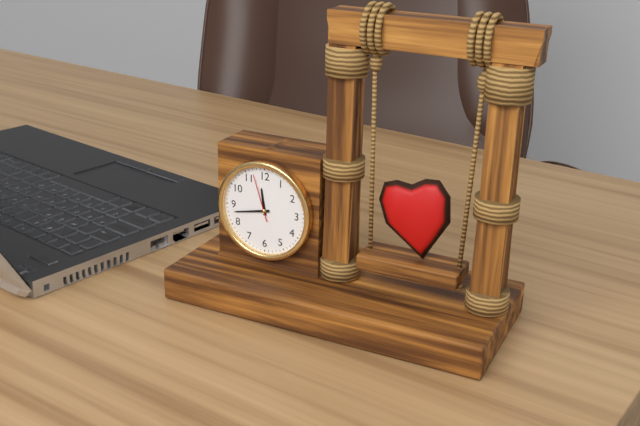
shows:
11,43
